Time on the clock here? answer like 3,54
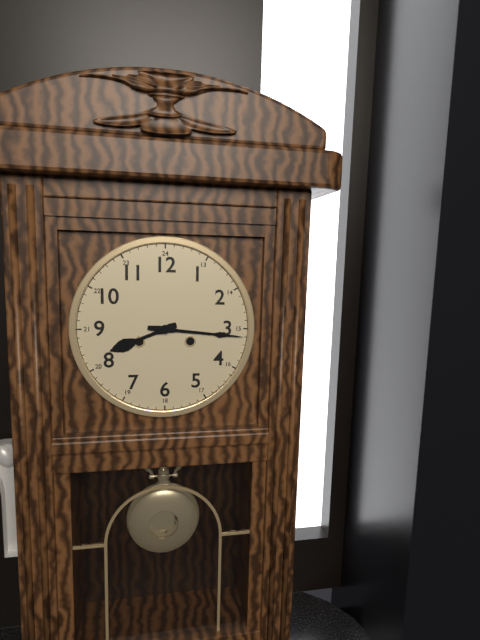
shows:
8,16
